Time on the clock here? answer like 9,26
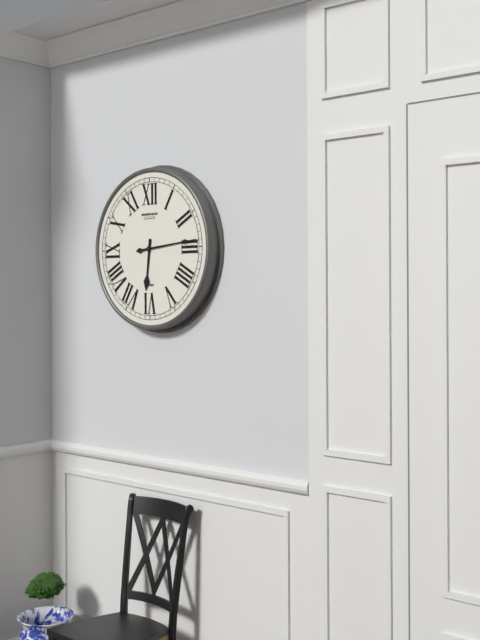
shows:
6,14
